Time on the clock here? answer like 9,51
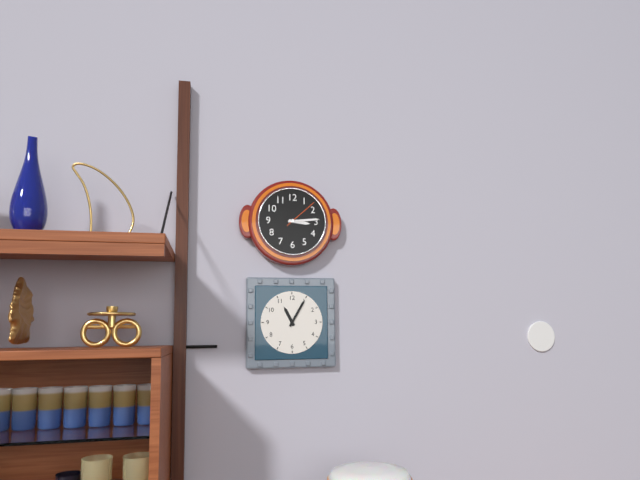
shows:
3,14
